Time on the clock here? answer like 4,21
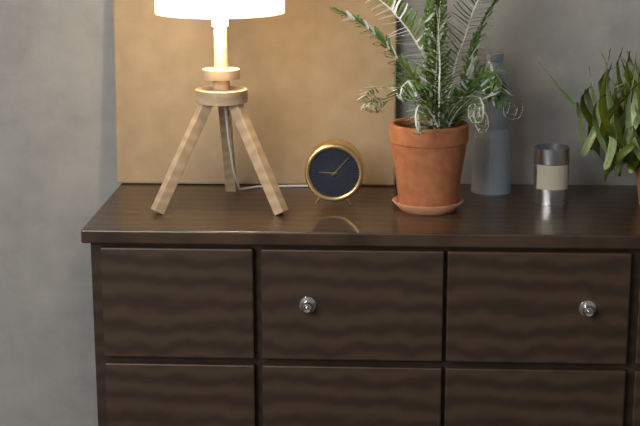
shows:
9,07
